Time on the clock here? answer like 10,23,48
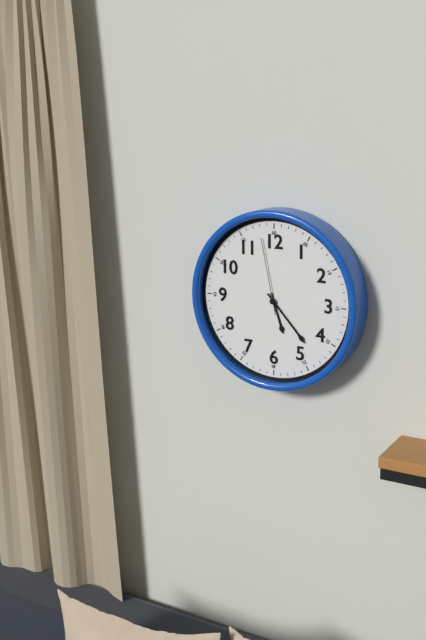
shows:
5,23,58
